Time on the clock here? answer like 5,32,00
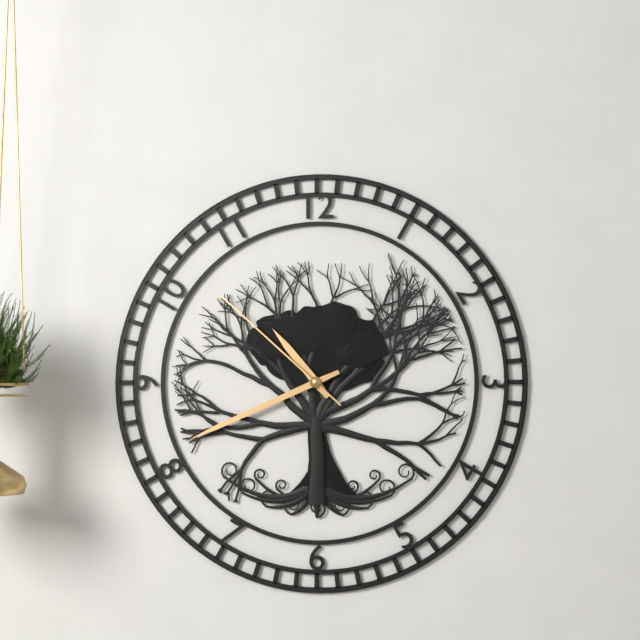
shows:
10,41,52
